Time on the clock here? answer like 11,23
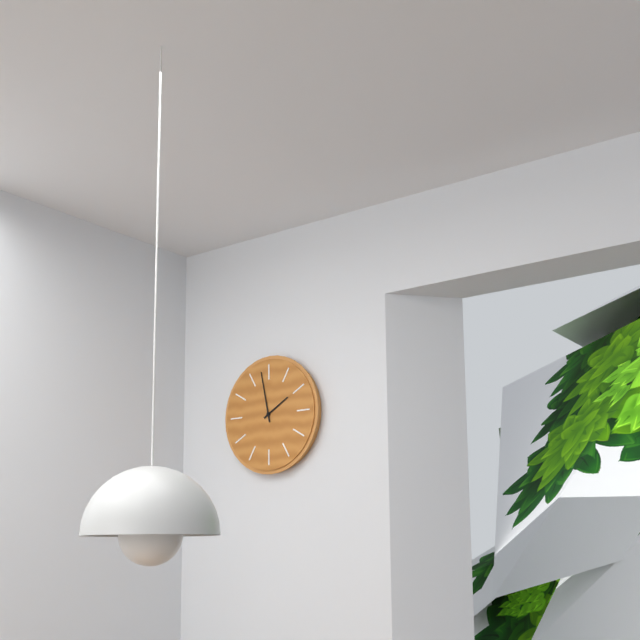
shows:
1,58
